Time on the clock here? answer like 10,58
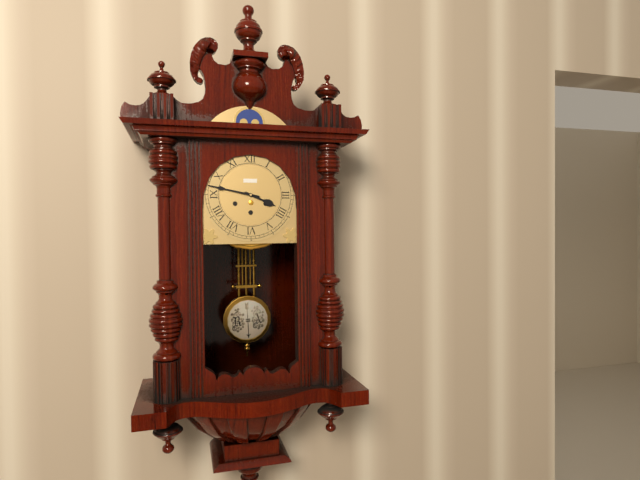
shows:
3,47
